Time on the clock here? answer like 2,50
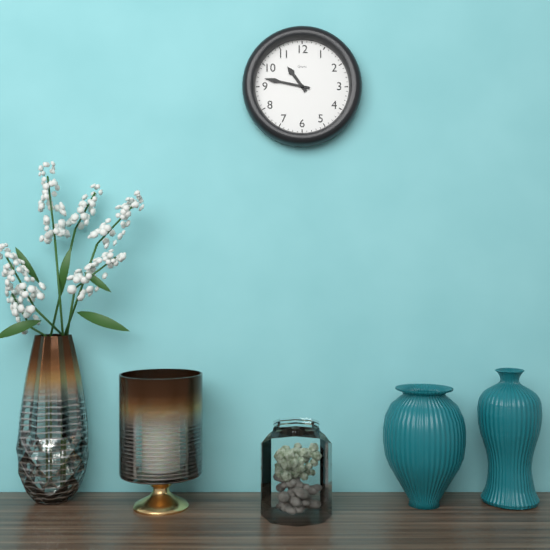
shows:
10,47
